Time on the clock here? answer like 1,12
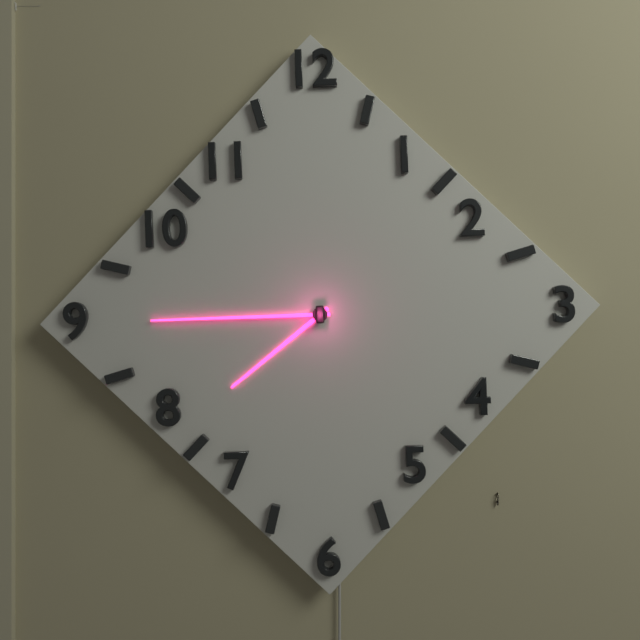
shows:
7,45
